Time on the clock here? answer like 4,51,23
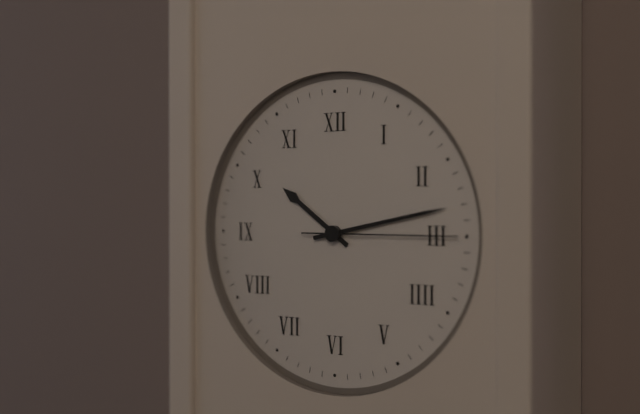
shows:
10,13,15
